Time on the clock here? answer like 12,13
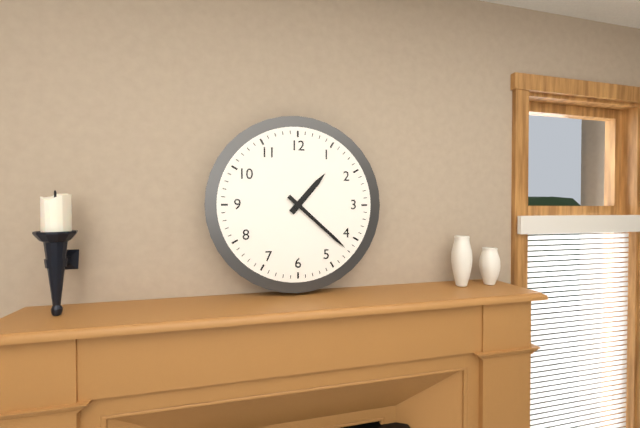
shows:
1,22
